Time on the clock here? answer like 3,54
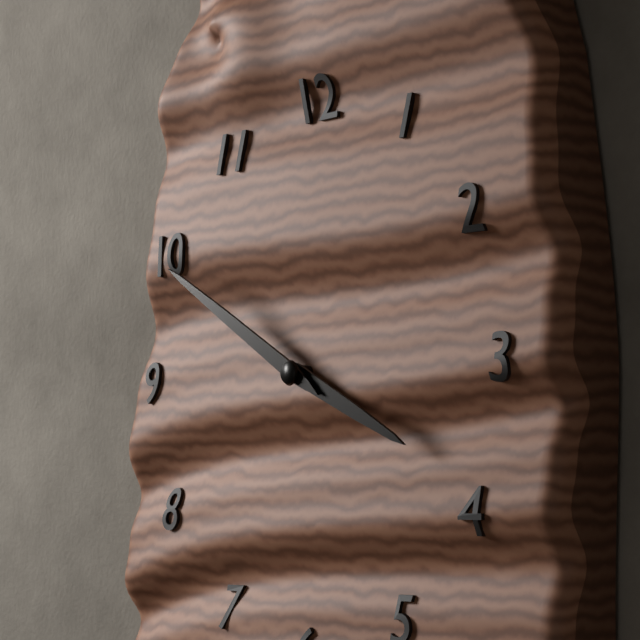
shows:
3,50
